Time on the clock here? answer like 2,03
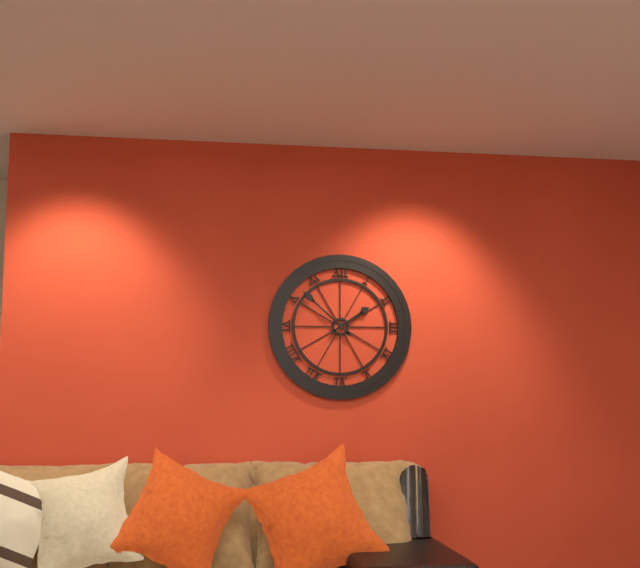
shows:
1,52
